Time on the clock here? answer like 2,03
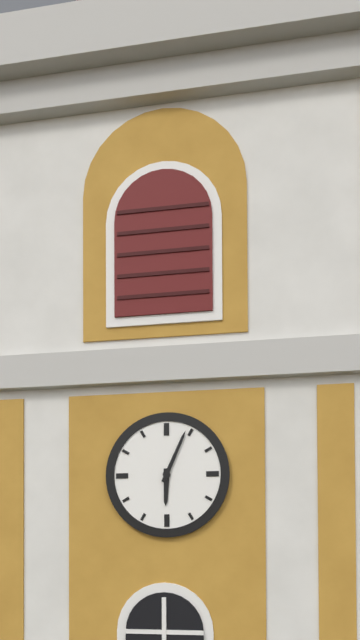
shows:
6,04
